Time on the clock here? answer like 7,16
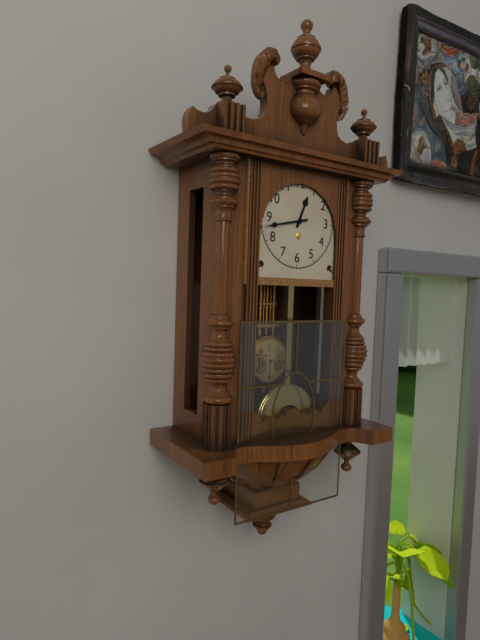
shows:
12,43
